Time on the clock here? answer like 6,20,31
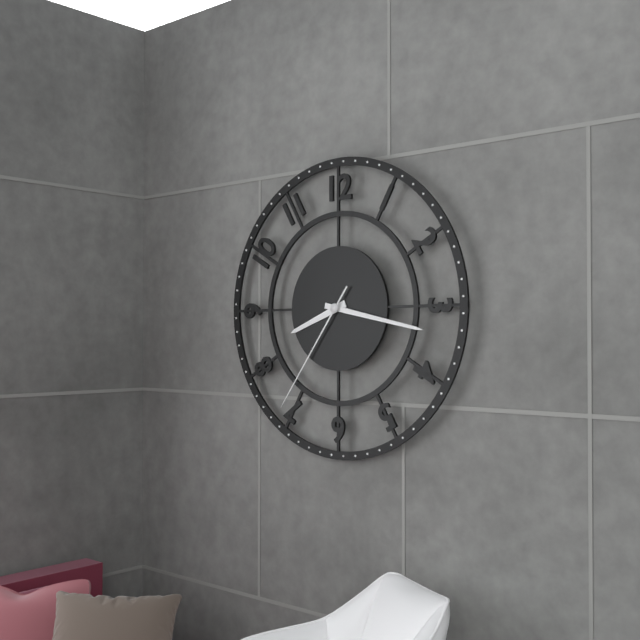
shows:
8,17,36
